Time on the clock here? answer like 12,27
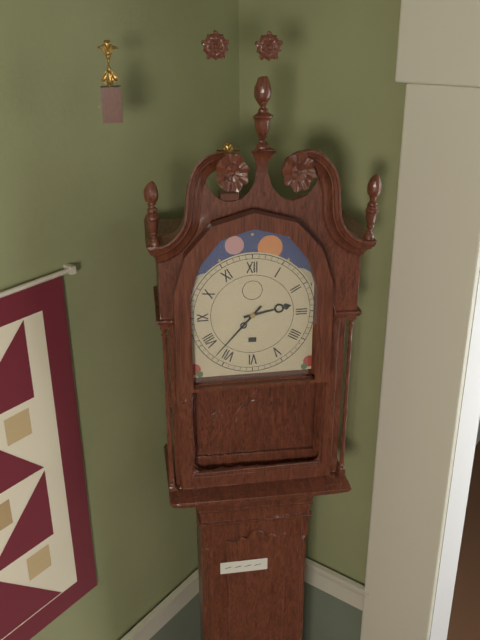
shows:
2,37
